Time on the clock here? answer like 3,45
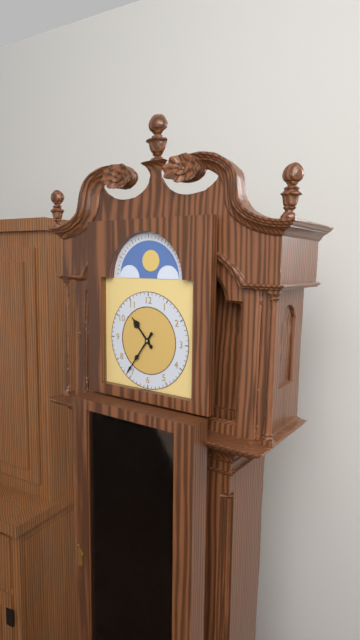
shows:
10,36
